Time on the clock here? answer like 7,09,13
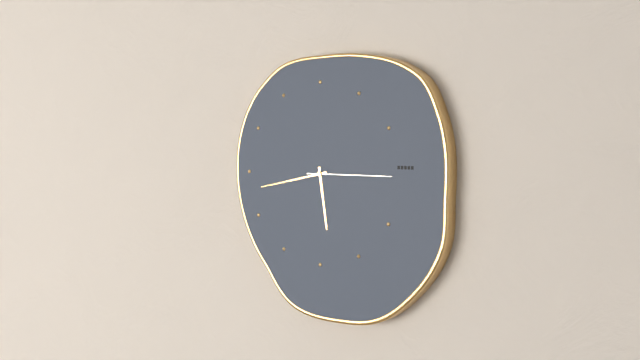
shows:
5,43,15
